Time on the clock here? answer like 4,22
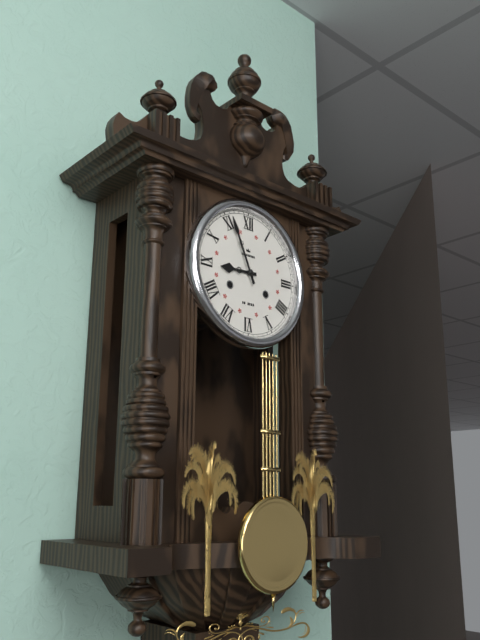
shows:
8,56
